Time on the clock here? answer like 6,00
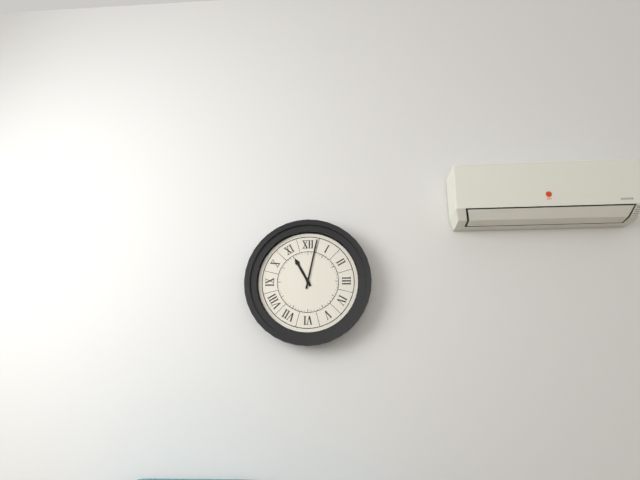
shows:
11,02
